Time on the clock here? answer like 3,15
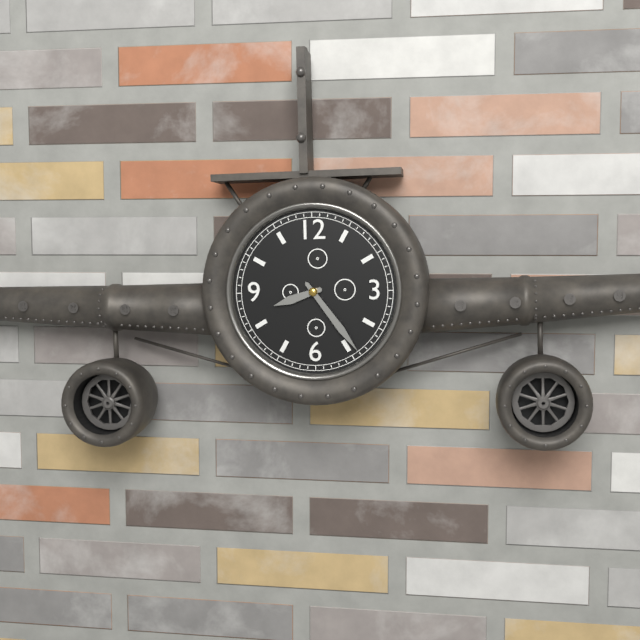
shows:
8,24
